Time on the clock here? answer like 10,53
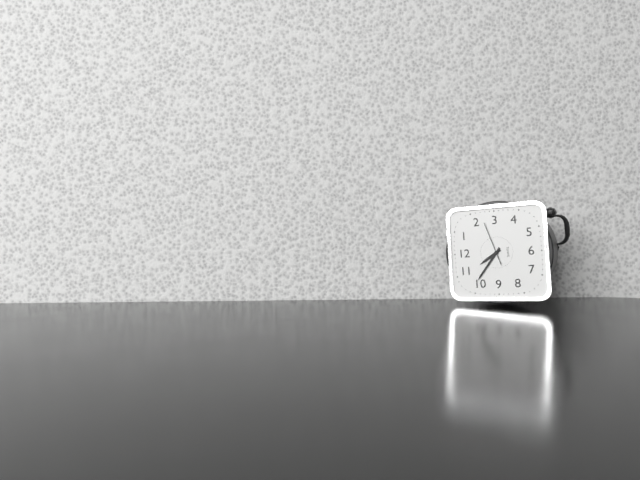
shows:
10,51
